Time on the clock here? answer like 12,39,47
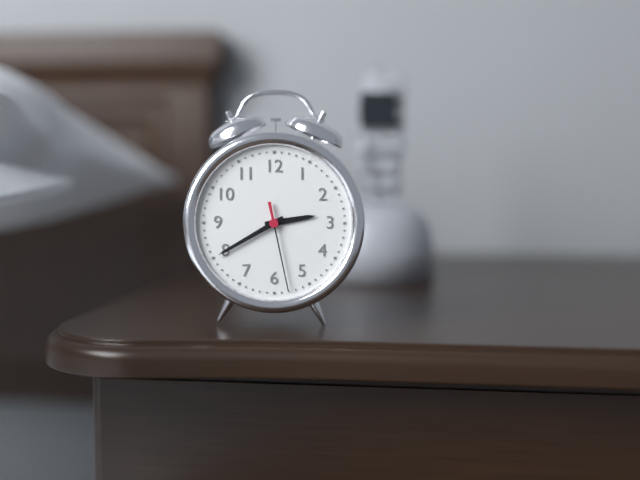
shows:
2,40,28
